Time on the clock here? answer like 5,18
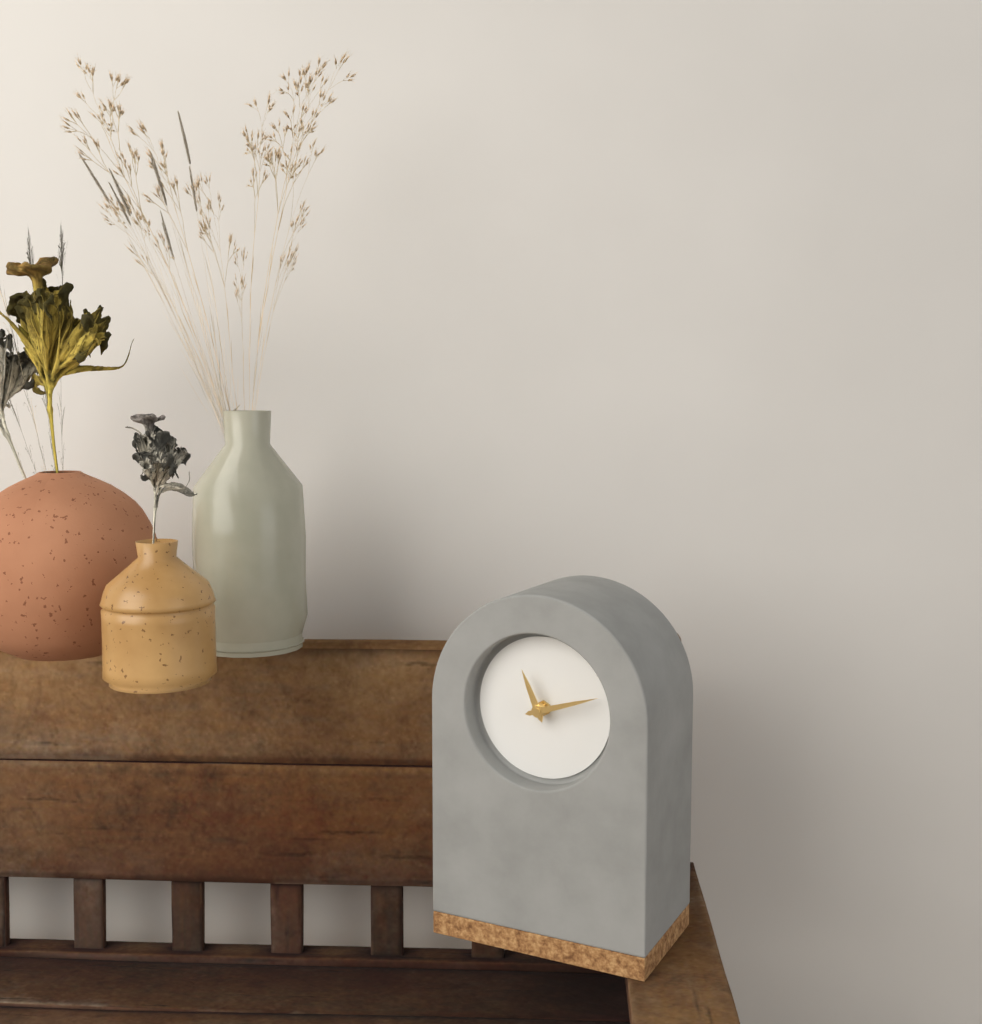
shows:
11,12
